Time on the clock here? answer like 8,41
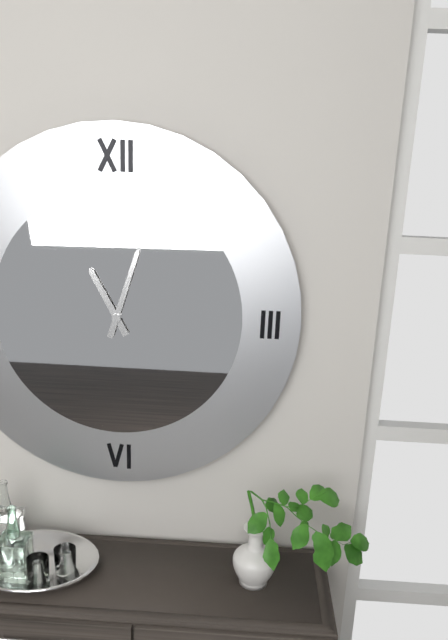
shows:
11,03
